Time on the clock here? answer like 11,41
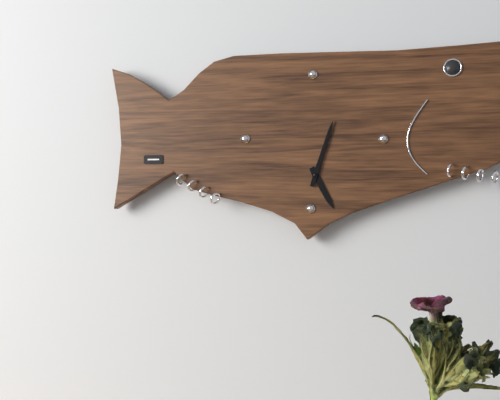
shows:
5,03
